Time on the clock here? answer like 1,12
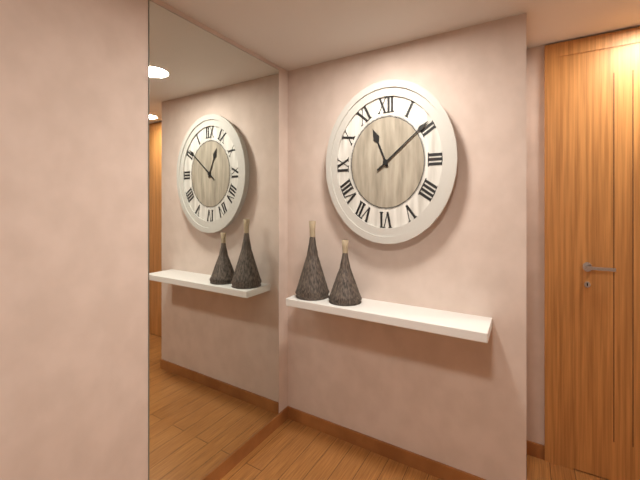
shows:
11,09
